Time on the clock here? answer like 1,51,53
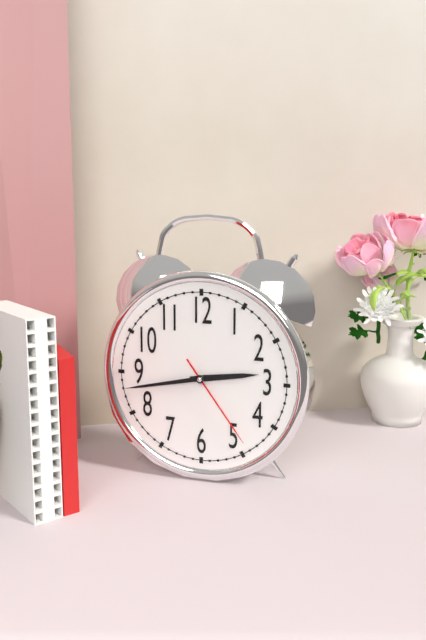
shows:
2,43,24
